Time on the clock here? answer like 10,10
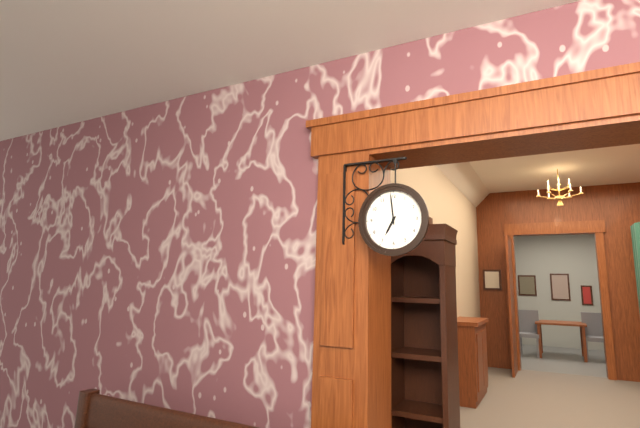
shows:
6,59
